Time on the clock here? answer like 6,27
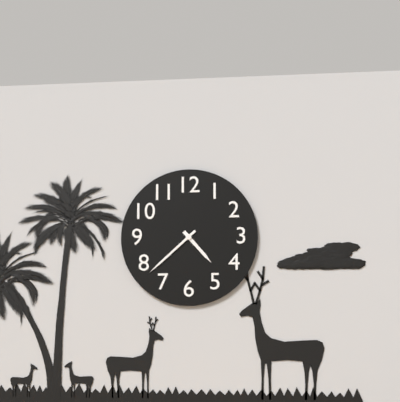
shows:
4,38
